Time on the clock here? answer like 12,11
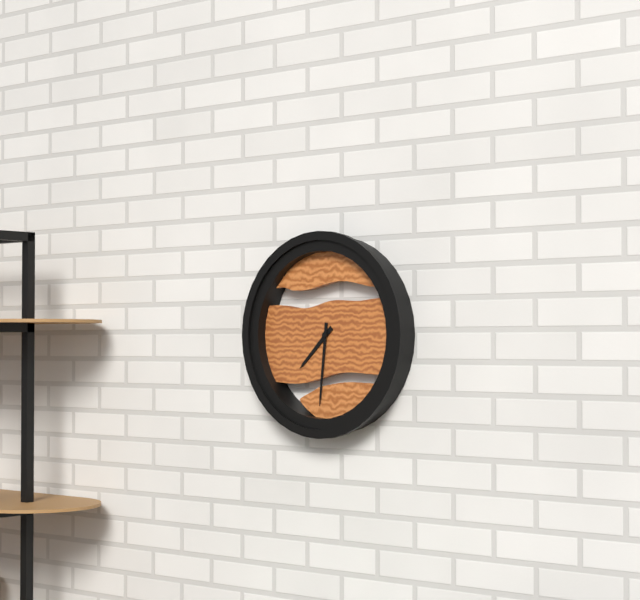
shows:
7,31
